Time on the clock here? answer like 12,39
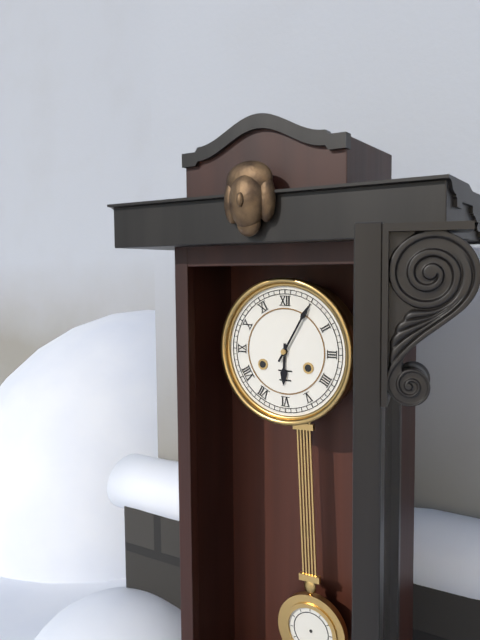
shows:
6,05
